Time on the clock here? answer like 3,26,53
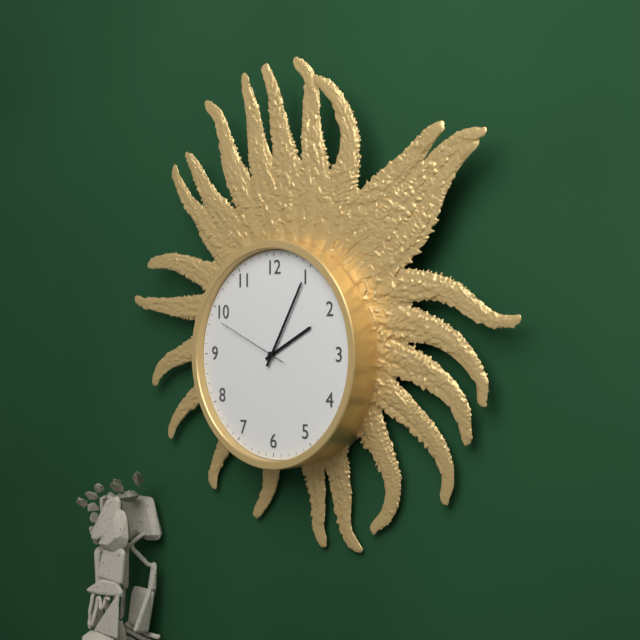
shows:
2,05,49
